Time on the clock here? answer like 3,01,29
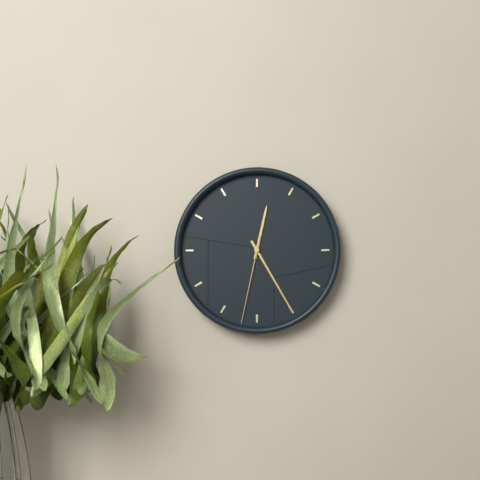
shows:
12,25,32
